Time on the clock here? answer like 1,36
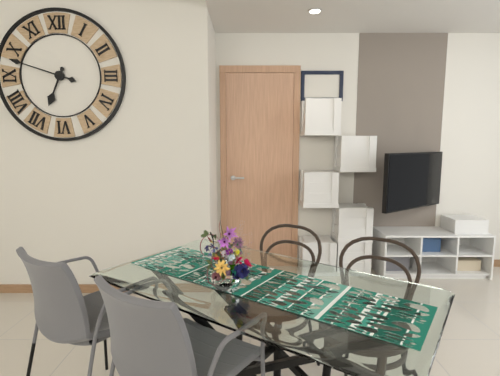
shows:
6,48
